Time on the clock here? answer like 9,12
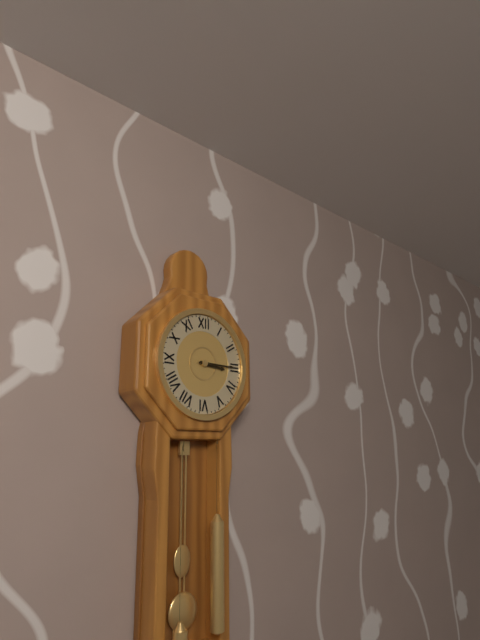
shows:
3,15
